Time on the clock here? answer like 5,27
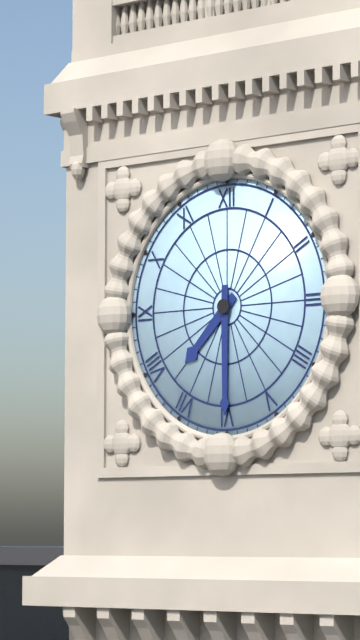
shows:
7,30
